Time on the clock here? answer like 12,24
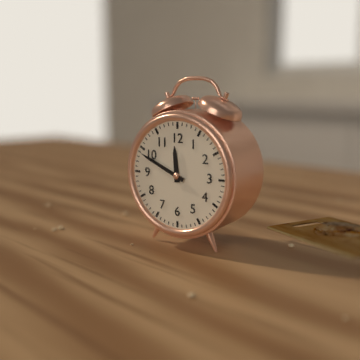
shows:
11,49
